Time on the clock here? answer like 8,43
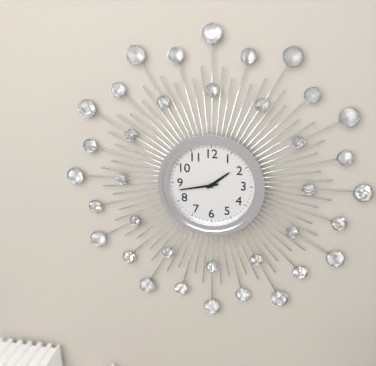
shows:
1,43
